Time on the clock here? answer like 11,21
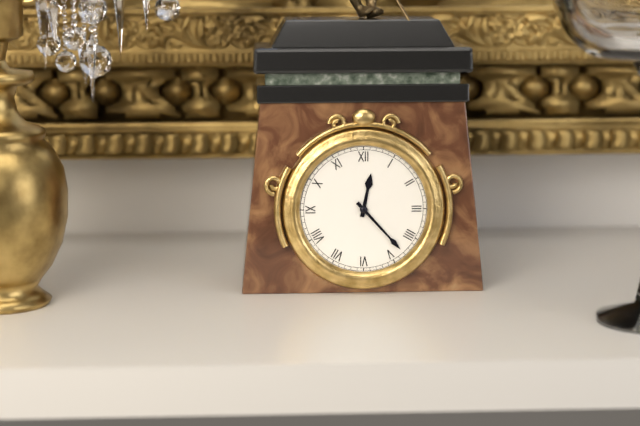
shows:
12,23
